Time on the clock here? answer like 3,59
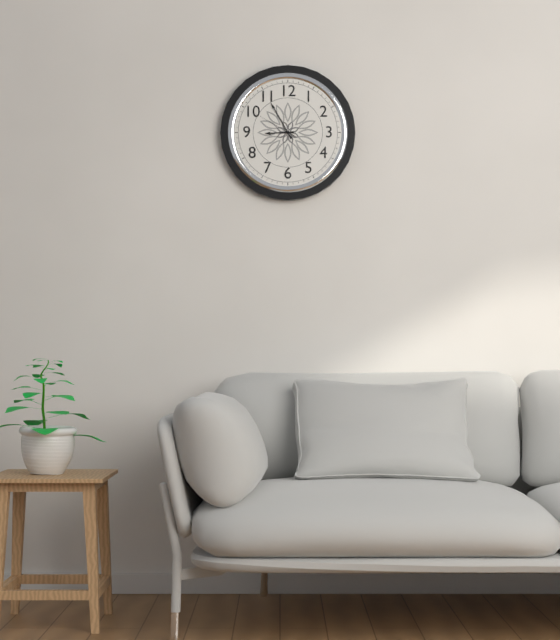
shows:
8,55
